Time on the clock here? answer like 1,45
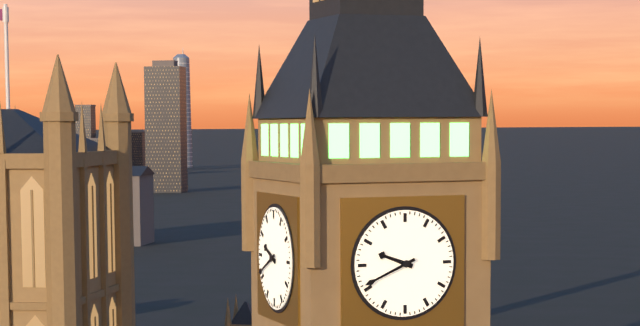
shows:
9,41
